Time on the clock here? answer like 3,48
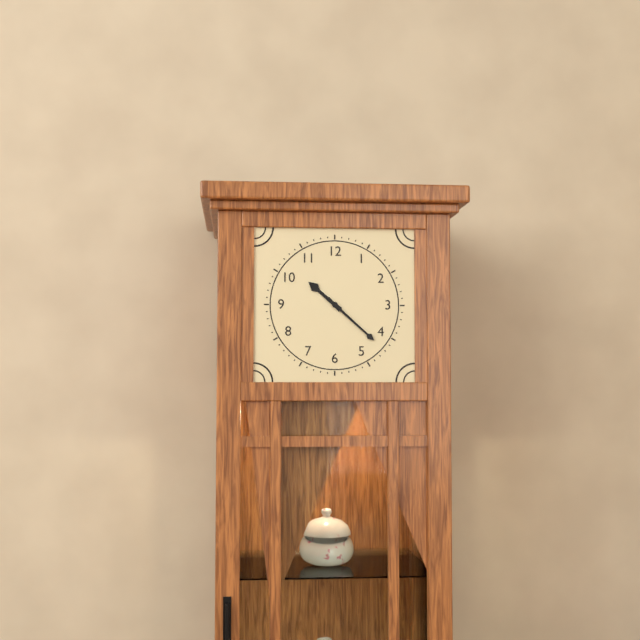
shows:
10,22
